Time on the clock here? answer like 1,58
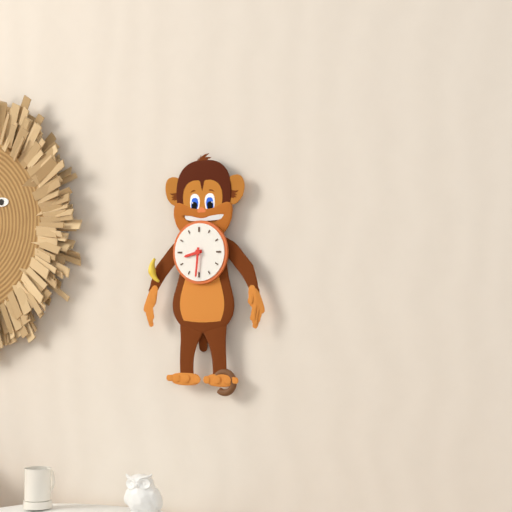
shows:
8,31
